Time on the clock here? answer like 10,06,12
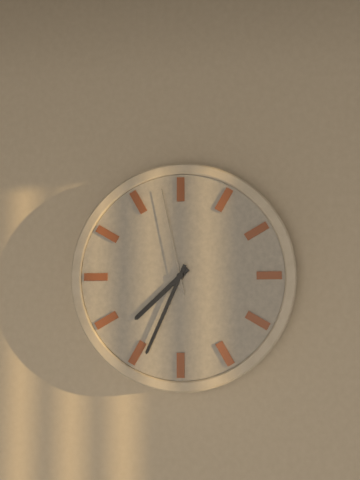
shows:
7,34,58
